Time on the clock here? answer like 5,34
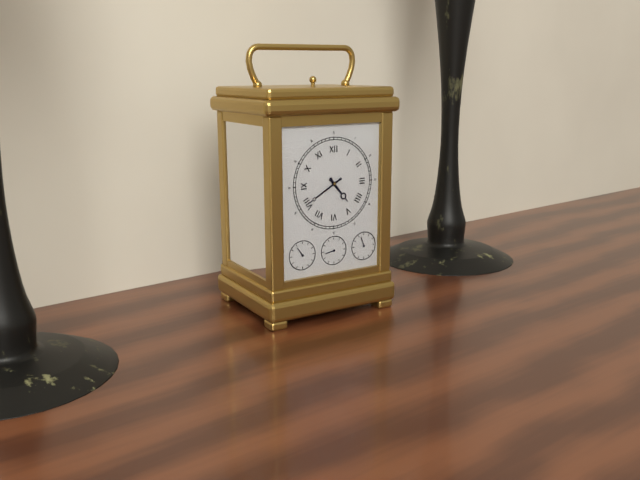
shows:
4,40
